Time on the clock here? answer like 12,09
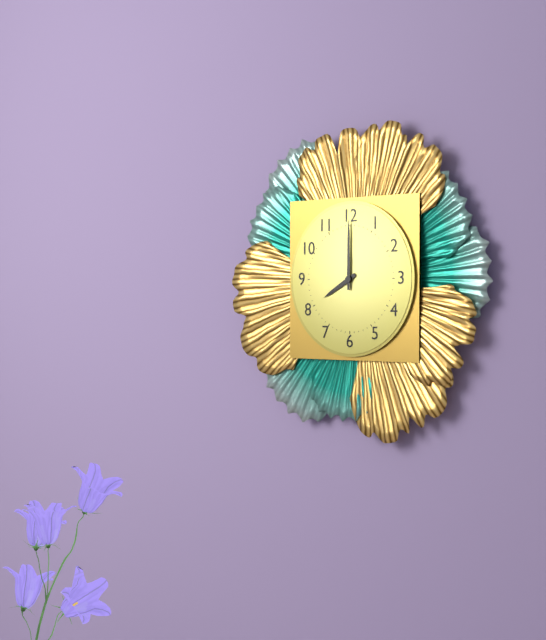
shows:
8,00
